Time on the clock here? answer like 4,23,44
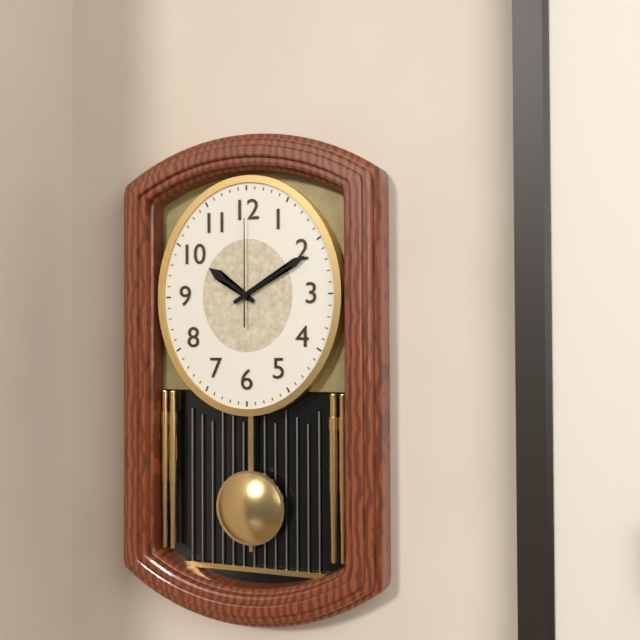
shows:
10,10,00
